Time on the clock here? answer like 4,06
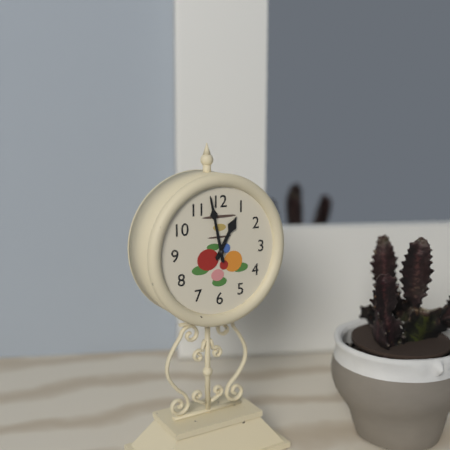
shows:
12,58
